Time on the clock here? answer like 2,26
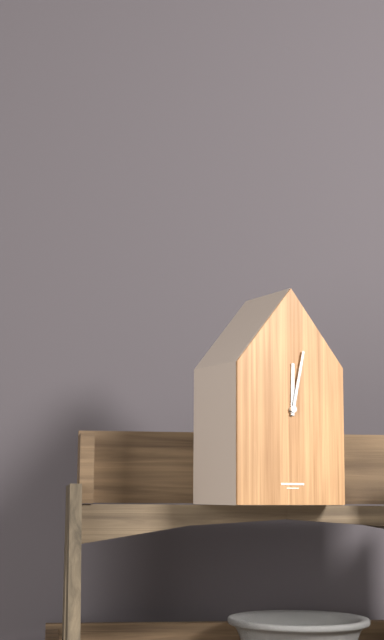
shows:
12,02
